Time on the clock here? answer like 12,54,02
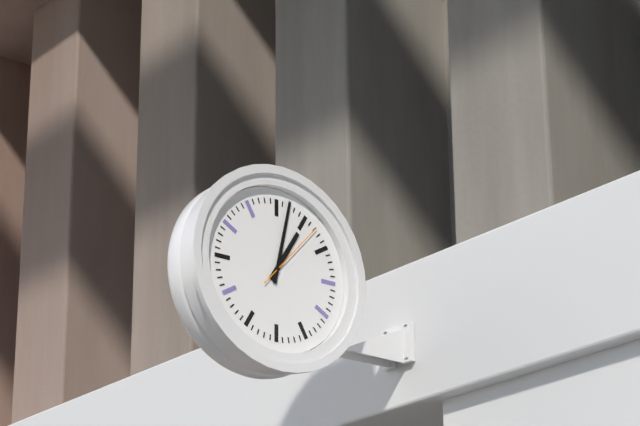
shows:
1,02,07
